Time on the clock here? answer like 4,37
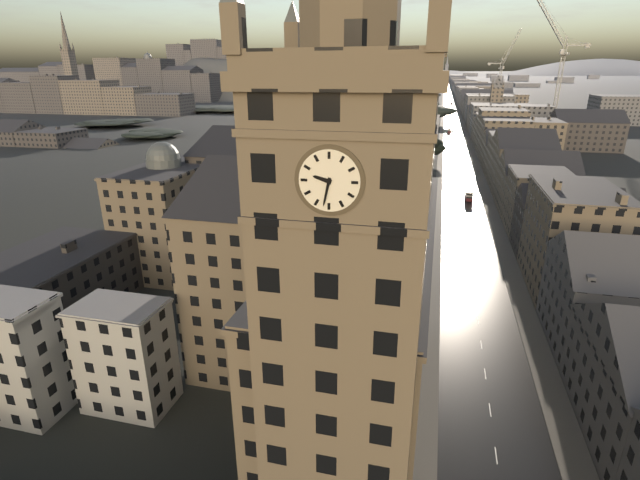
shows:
9,32
